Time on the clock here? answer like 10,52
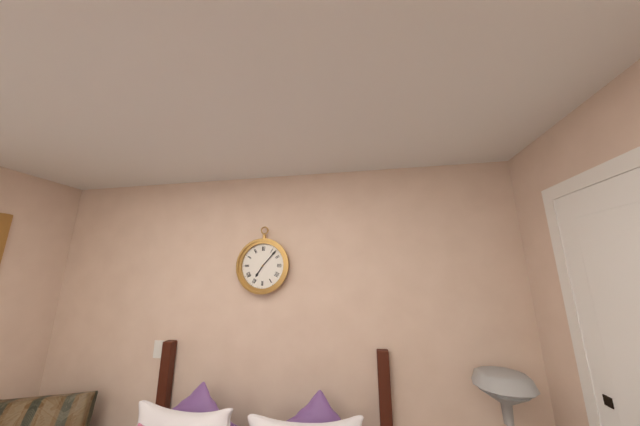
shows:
7,07
